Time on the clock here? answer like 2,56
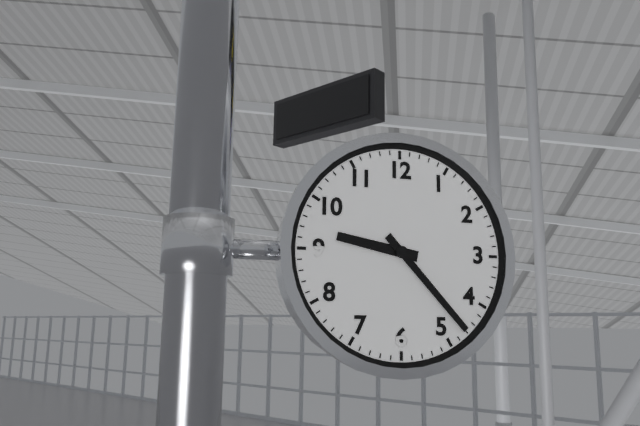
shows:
9,23
